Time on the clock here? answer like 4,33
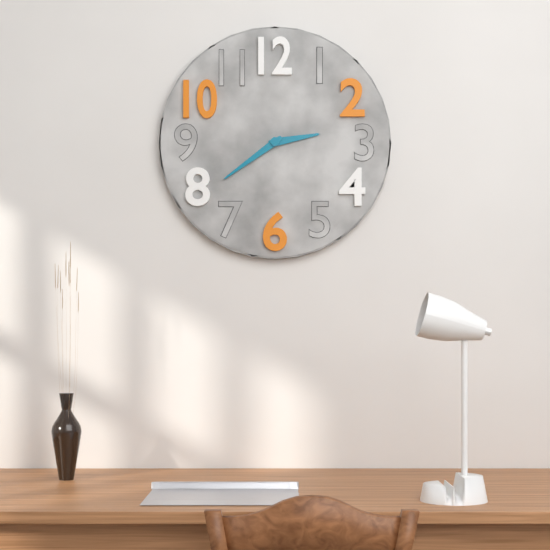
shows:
2,39
